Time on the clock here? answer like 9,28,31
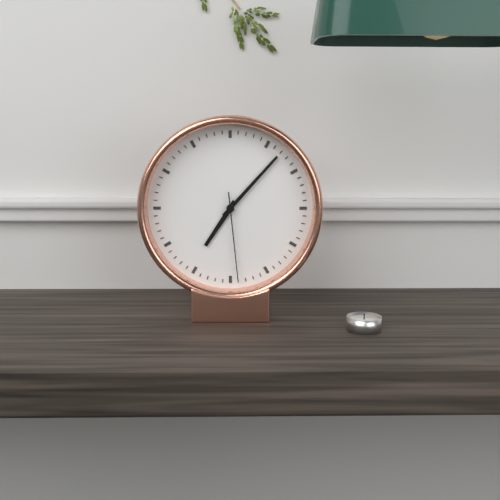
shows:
7,07,29
